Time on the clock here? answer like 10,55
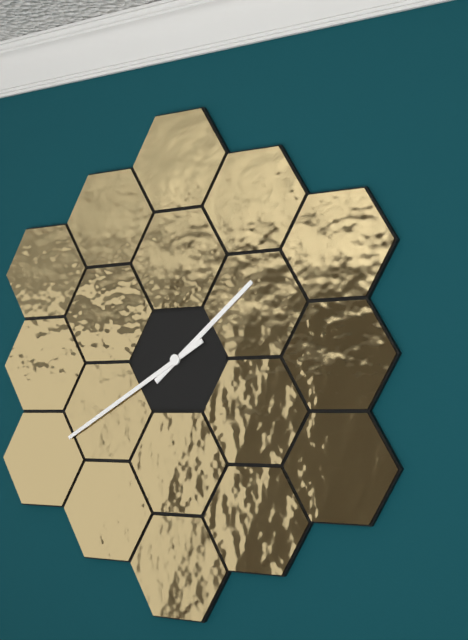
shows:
1,40
